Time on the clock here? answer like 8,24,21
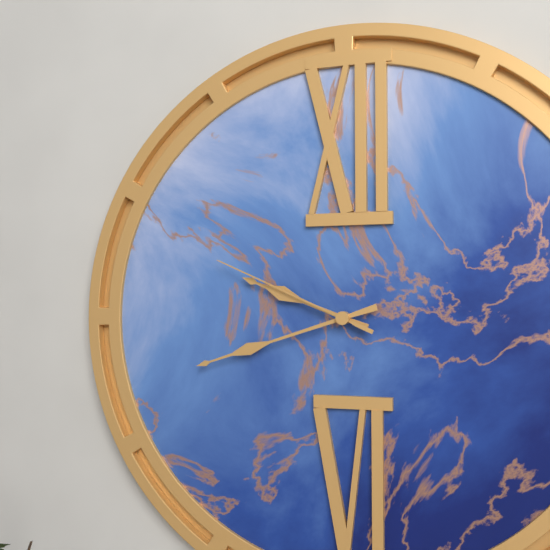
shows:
9,42,49
